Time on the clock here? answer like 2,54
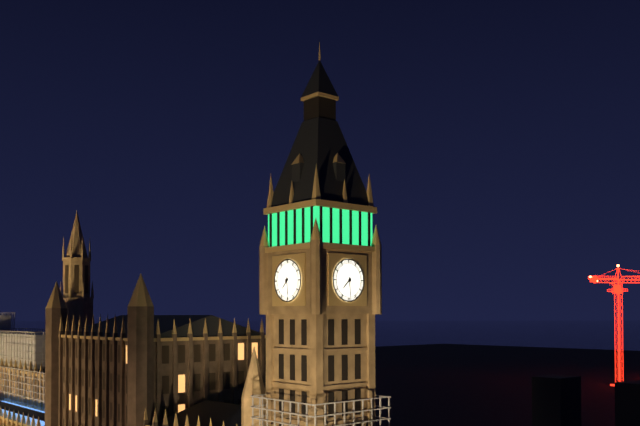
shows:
7,29
